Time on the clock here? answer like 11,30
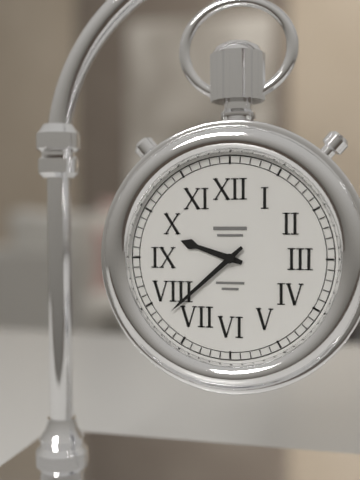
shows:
9,38
